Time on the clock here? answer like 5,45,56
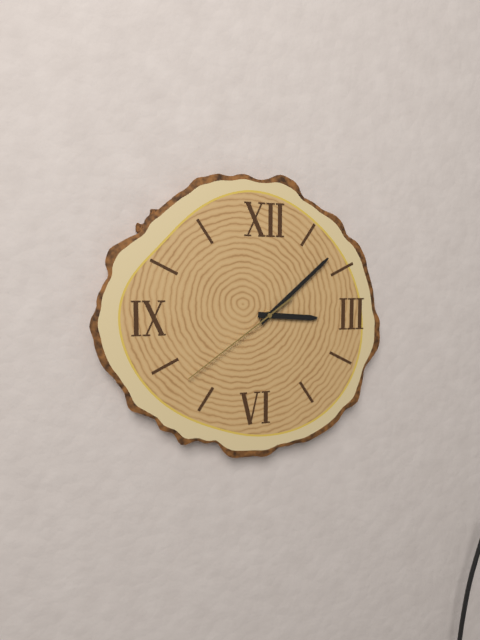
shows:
3,08,39
